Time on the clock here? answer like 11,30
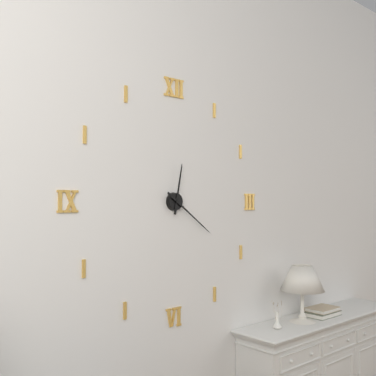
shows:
12,21
